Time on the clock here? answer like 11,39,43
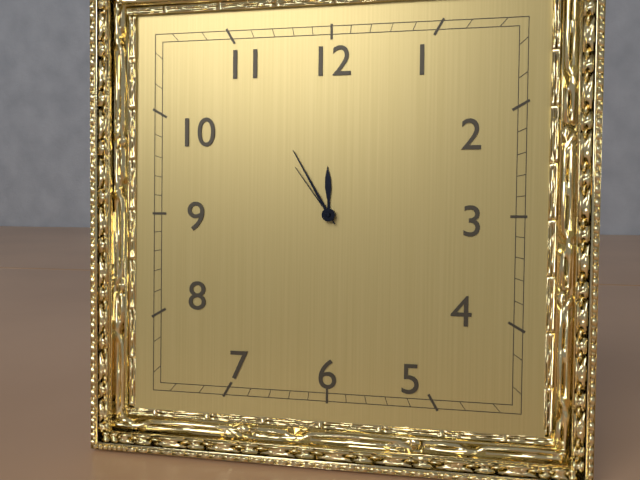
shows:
11,55,54
